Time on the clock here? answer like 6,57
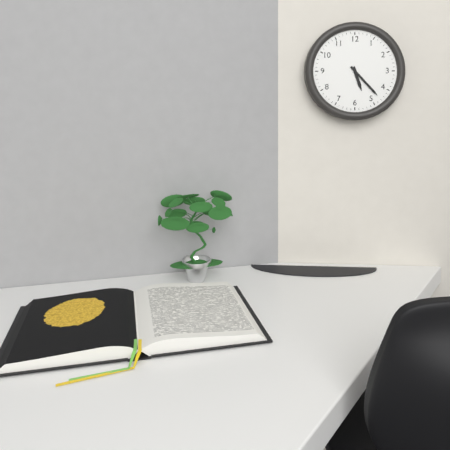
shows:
5,23
